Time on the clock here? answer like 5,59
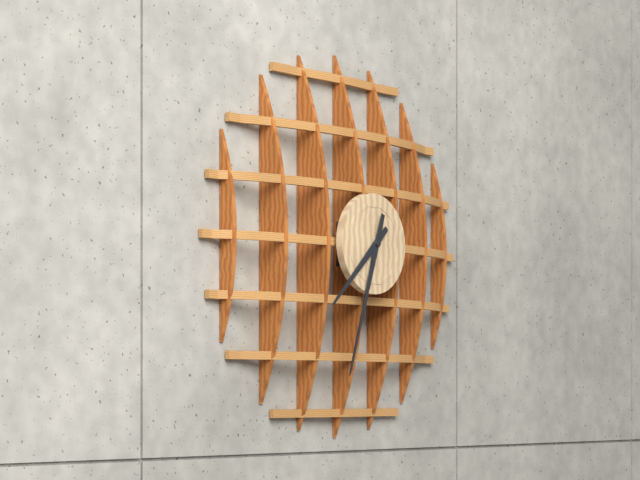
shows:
7,33
